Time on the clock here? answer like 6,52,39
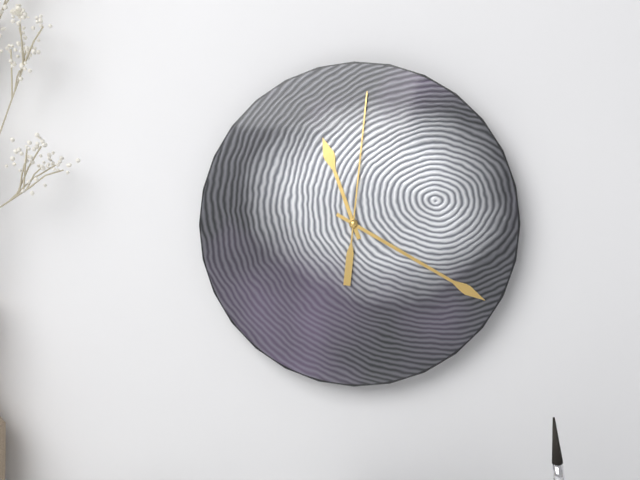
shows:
11,20,01
